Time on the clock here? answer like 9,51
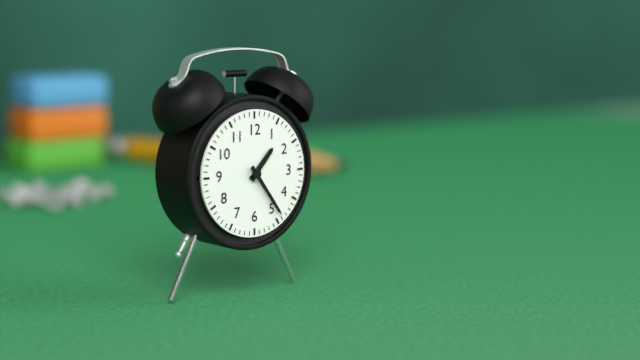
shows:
1,24
